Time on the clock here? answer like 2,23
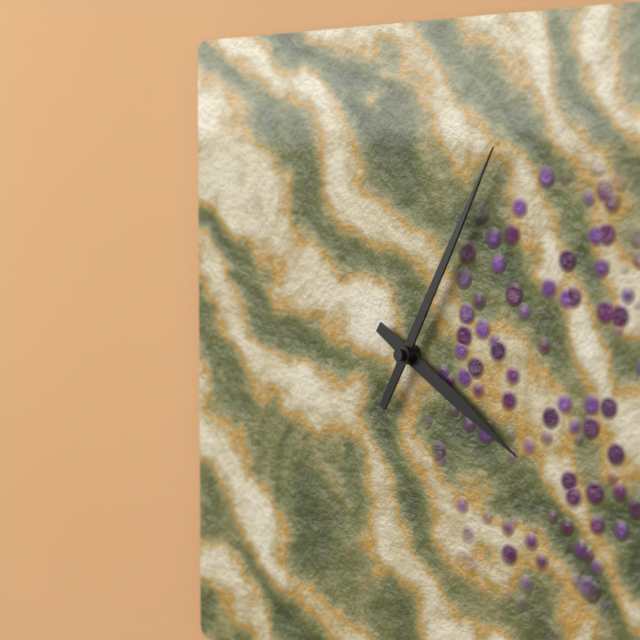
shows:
4,05
